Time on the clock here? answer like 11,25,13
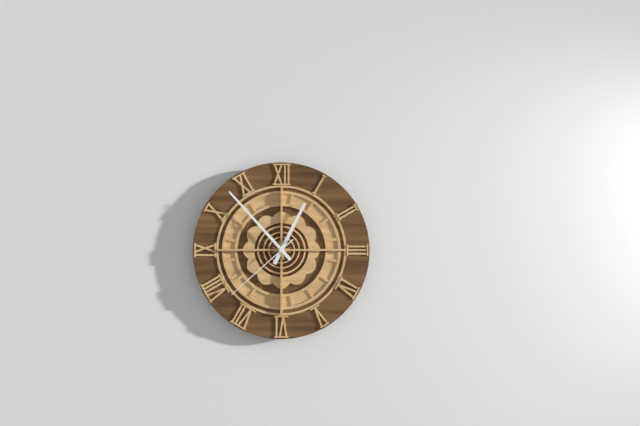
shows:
12,53,38
